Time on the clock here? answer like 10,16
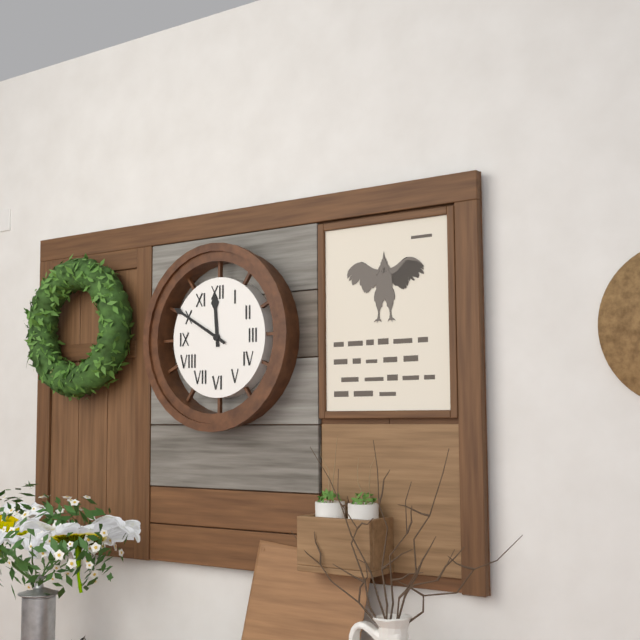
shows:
11,50
